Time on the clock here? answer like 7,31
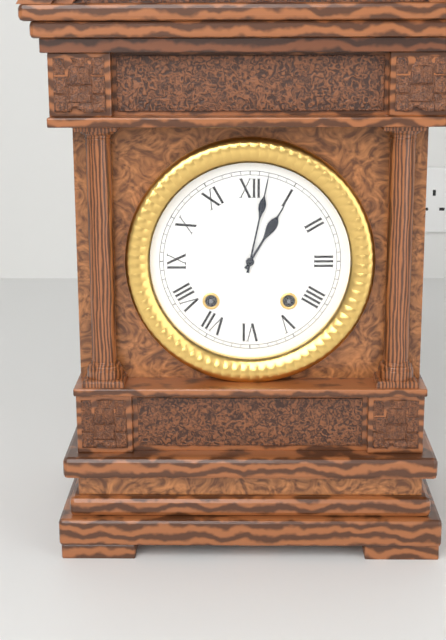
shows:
1,02
